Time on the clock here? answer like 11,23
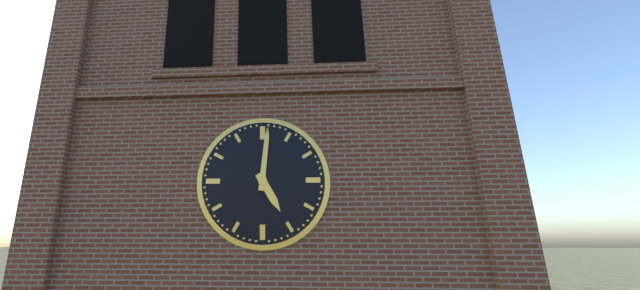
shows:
5,01
